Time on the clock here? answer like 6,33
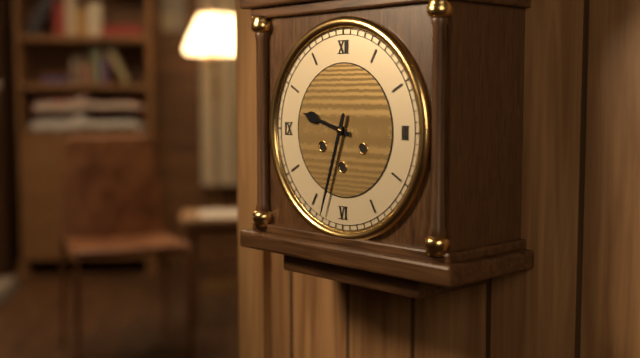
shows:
9,33
